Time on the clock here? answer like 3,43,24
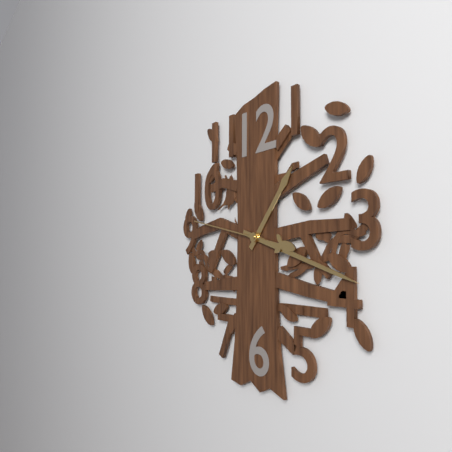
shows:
1,18,47
